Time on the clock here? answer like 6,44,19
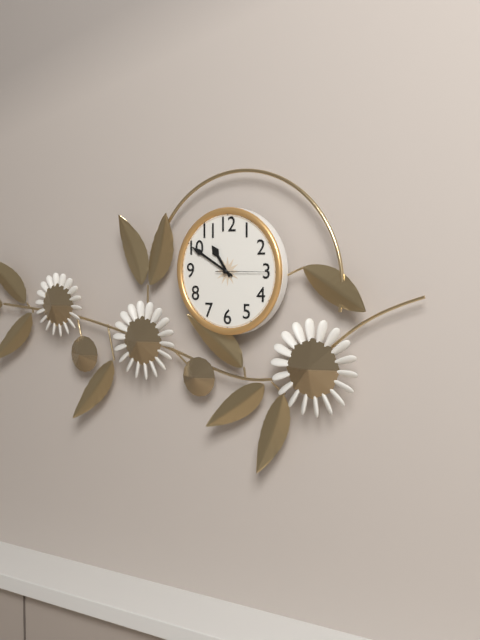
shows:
10,50,15
